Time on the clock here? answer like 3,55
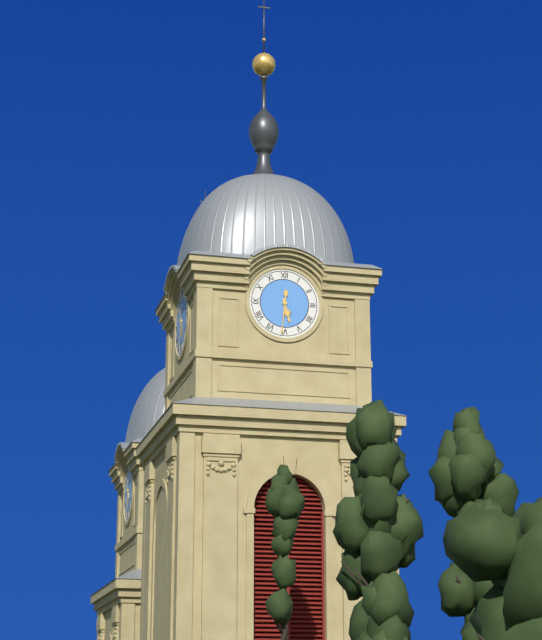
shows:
5,31
